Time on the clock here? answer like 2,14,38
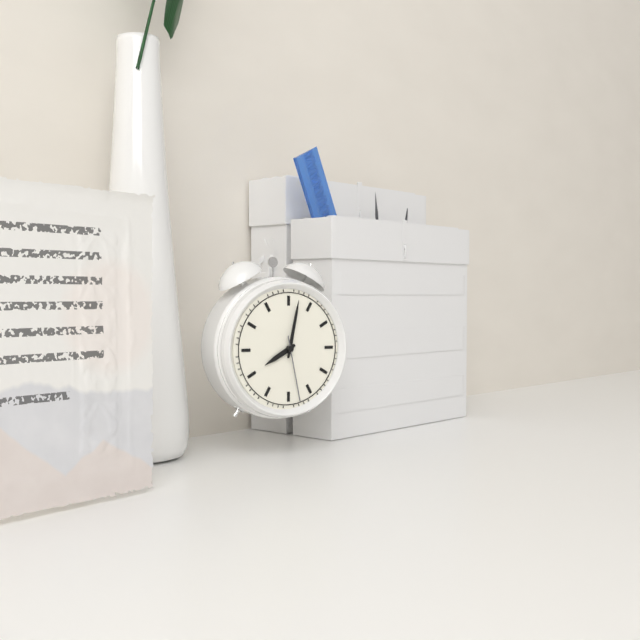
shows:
8,02,28
